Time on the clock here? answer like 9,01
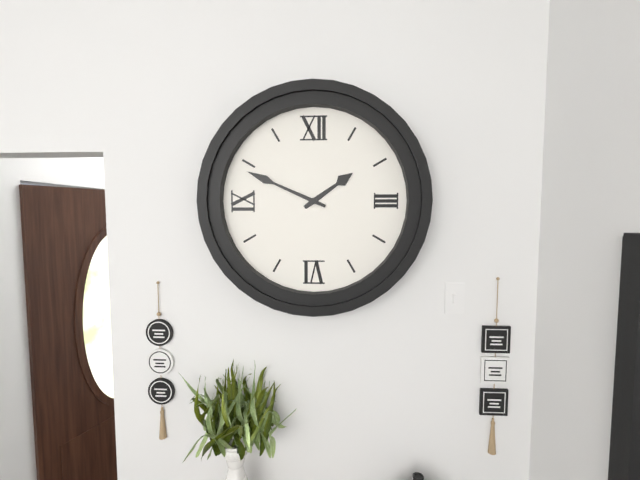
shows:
1,49
